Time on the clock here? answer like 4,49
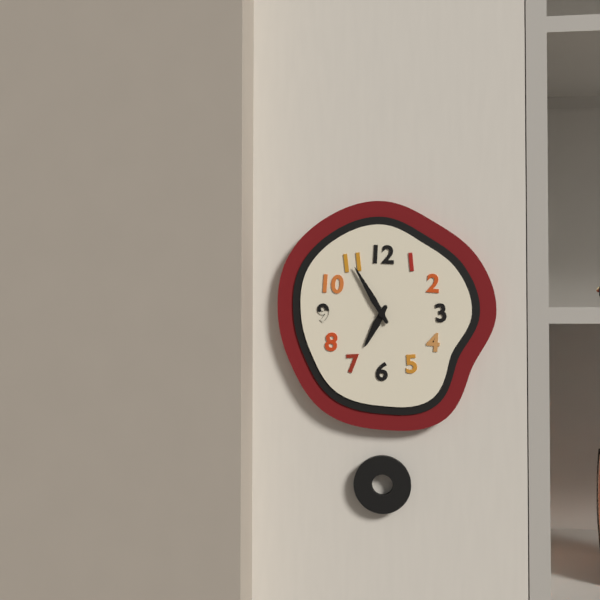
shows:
6,55
